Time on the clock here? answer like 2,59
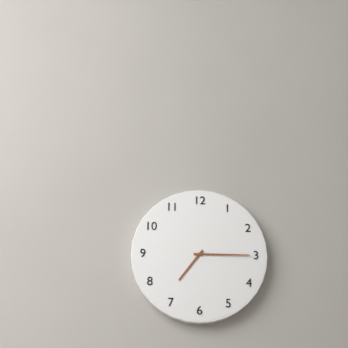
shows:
7,15
